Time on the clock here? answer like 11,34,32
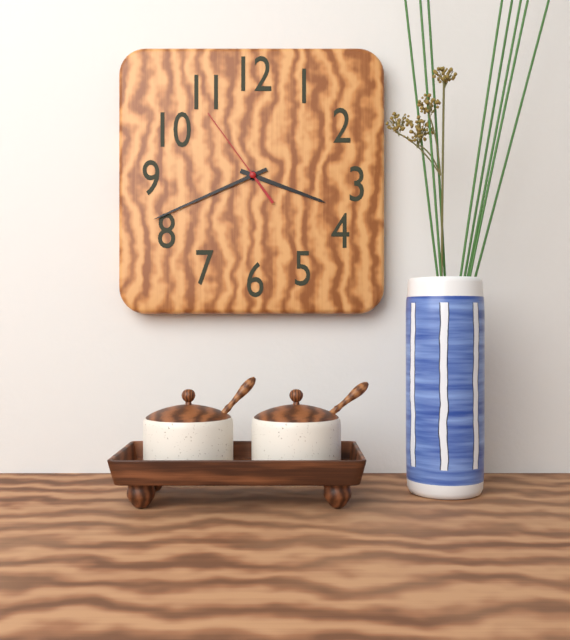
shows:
3,41,54
